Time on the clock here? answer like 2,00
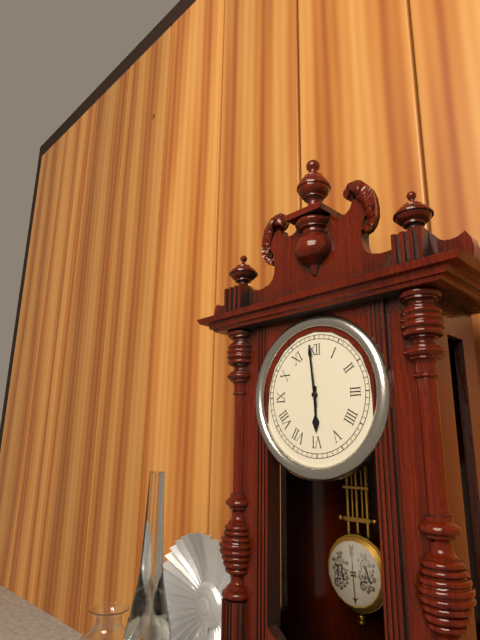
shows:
5,59
